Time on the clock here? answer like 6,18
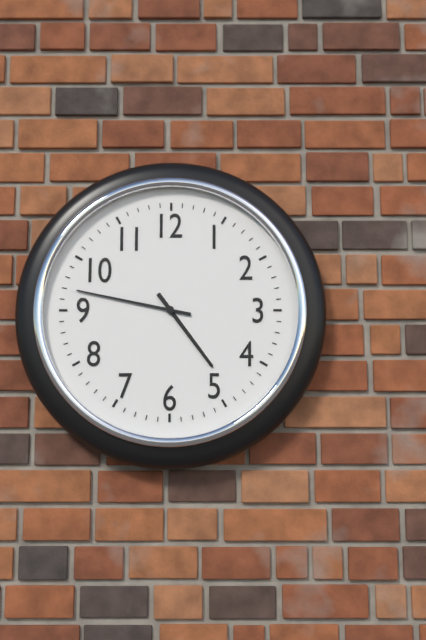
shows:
4,47
